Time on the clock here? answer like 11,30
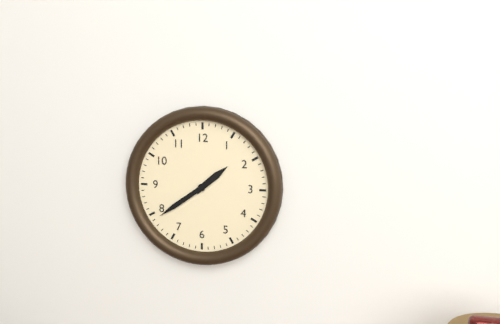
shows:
1,39
